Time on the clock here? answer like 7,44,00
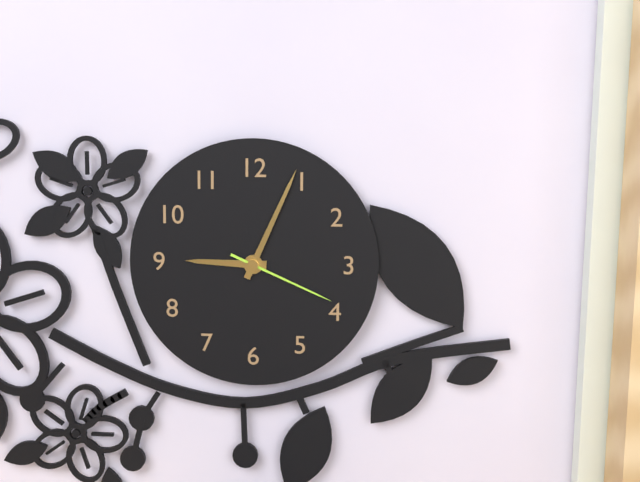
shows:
9,04,19
